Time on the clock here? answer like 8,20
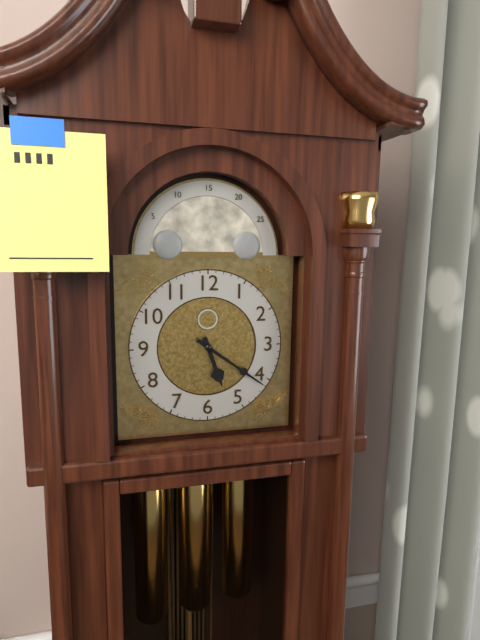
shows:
5,21
